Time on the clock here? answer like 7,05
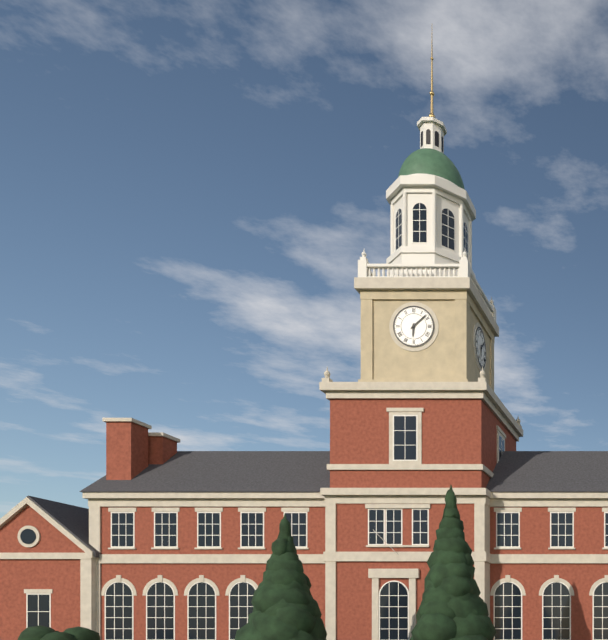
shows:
6,08
